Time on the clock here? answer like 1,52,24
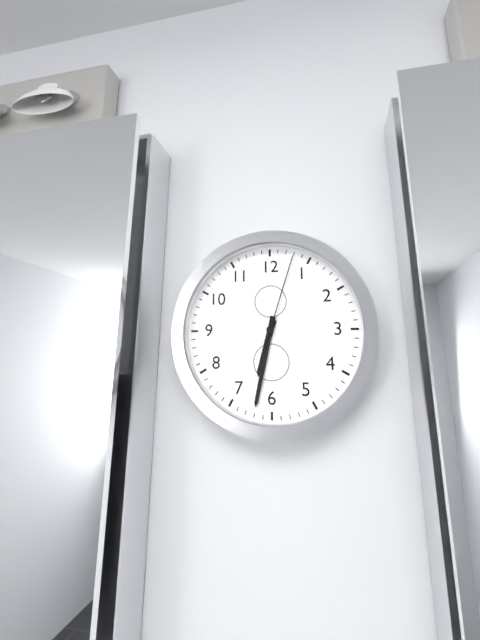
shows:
6,32,03
